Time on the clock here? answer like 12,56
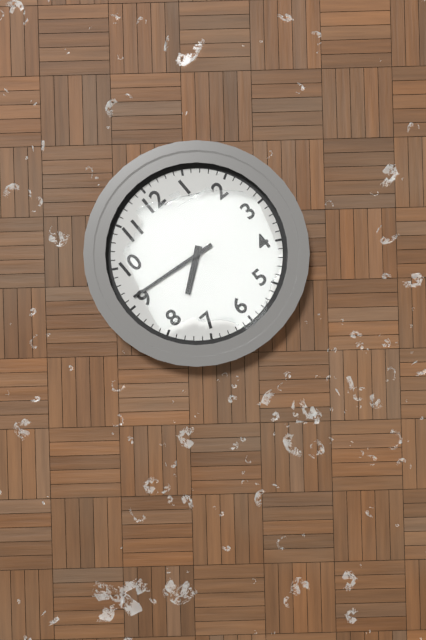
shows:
7,46
